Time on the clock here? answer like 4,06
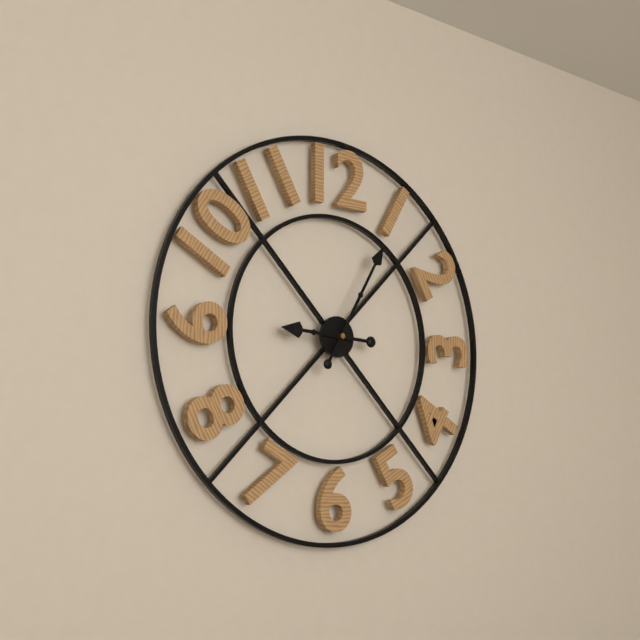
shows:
9,05
